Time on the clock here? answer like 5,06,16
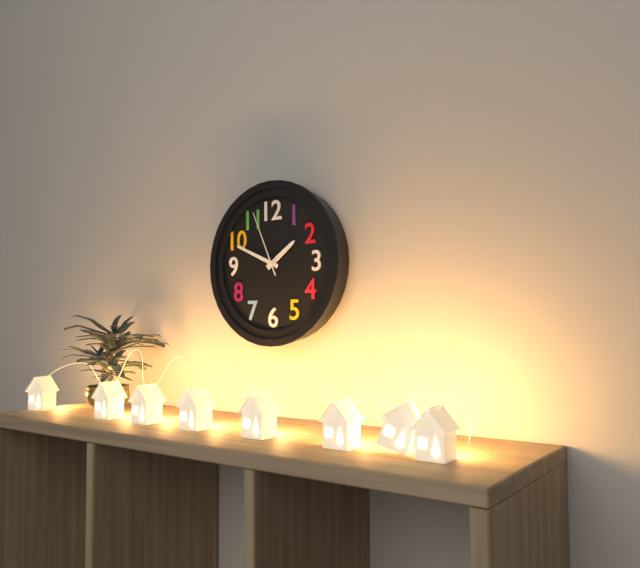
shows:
1,49,56
